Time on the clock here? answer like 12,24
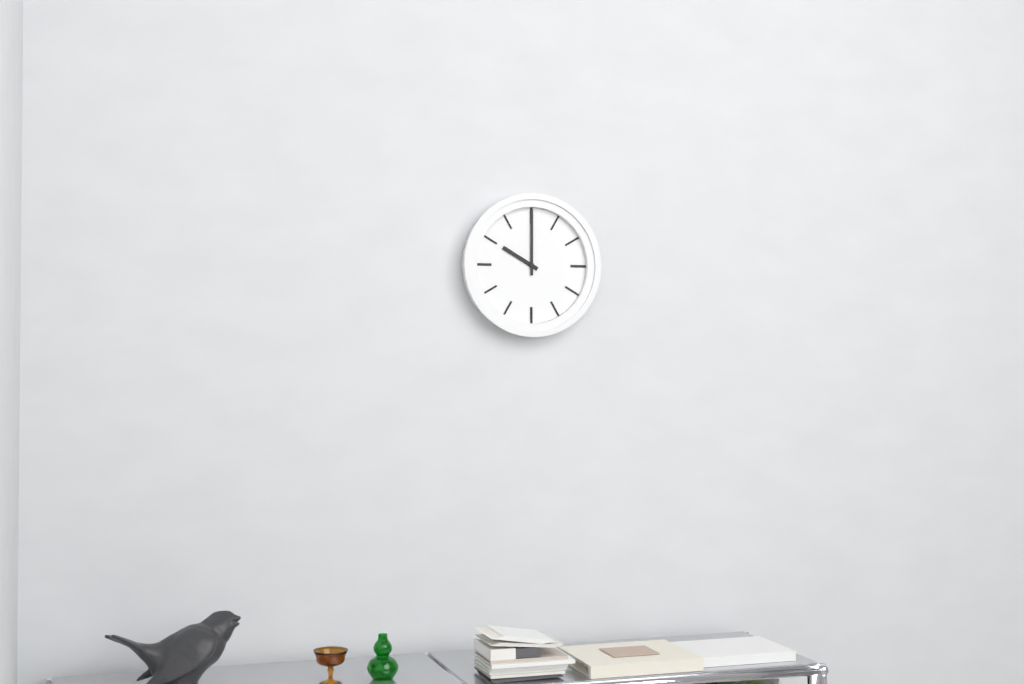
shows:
10,00
